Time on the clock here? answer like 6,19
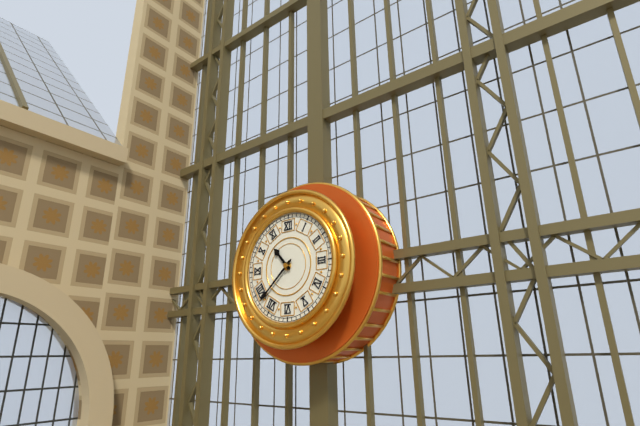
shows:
10,38
